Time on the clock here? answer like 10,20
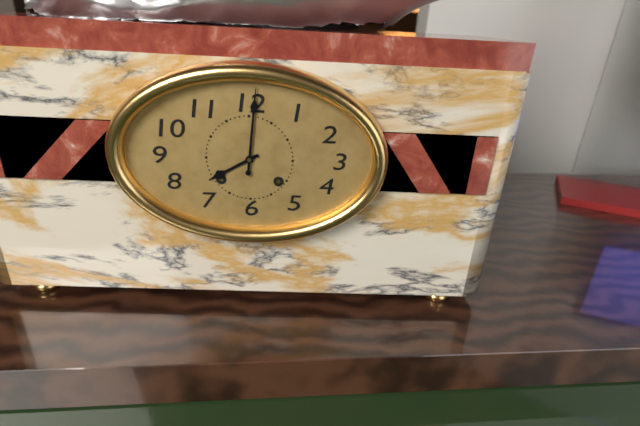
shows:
8,01
